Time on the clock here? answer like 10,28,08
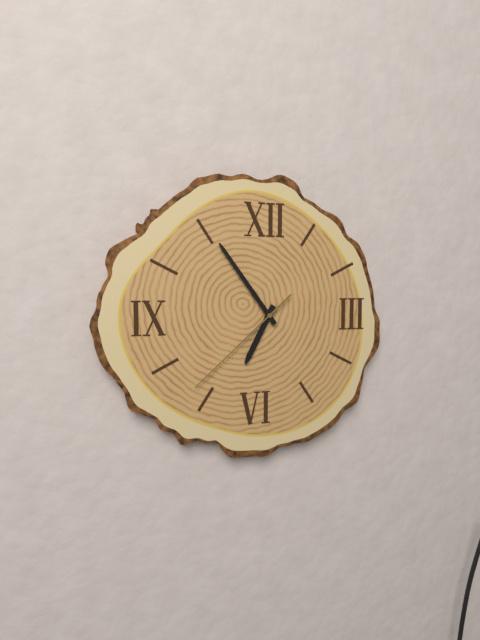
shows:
6,54,38
